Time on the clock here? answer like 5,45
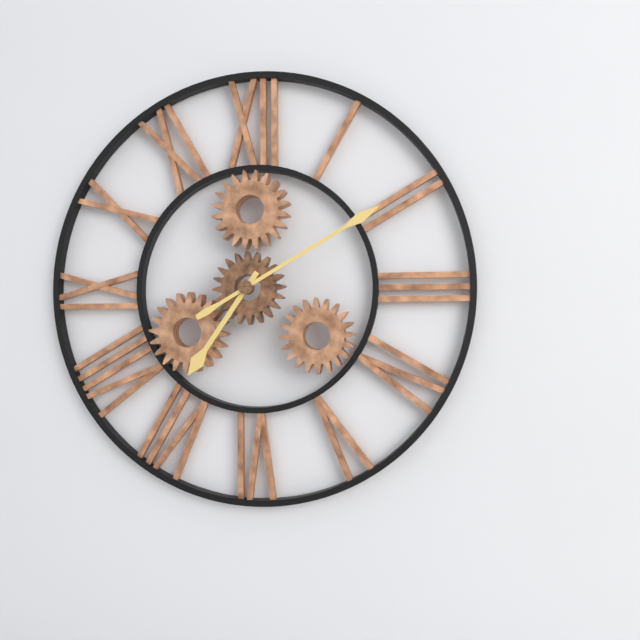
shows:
7,10
